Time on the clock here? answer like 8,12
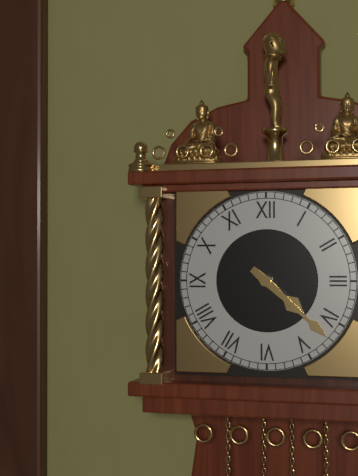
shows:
4,22
